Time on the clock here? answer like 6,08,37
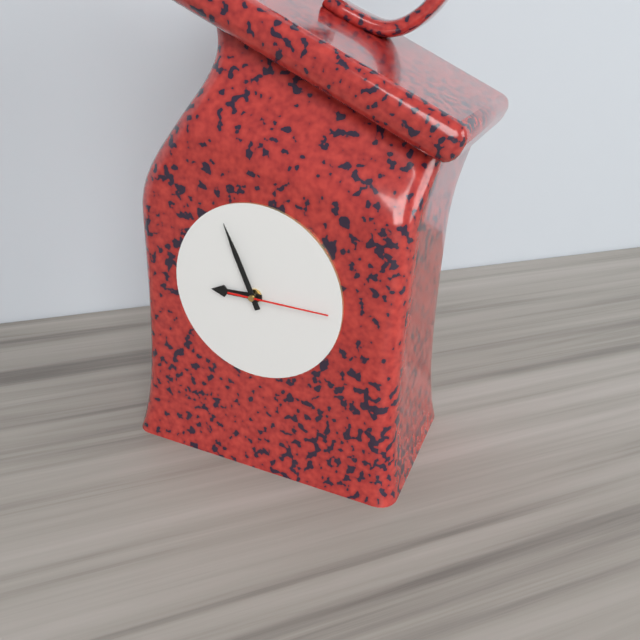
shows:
8,56,15
